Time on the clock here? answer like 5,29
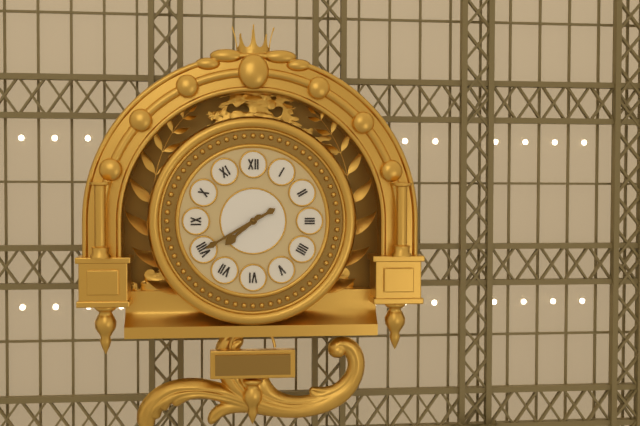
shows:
7,40
